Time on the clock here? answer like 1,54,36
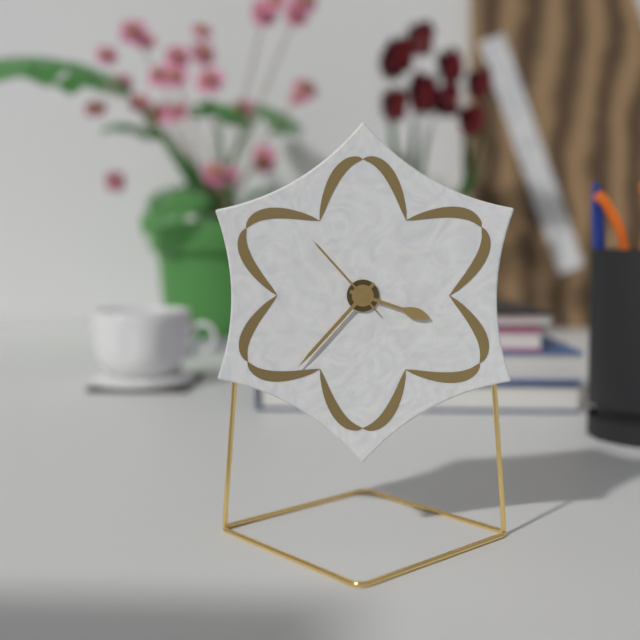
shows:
3,37,53
